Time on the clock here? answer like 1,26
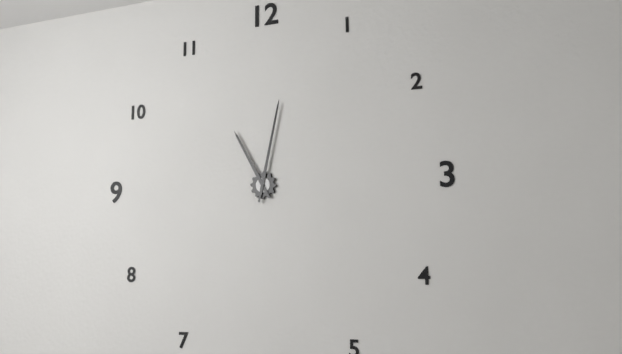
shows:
11,02
